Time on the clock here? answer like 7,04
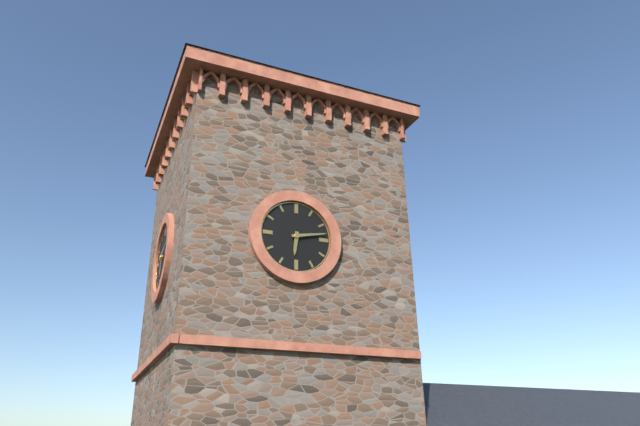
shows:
6,13
